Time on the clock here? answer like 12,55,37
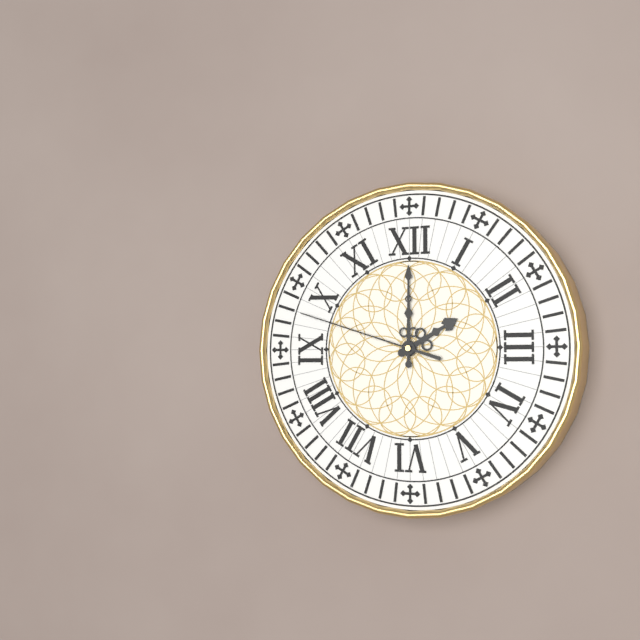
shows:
2,00,48
